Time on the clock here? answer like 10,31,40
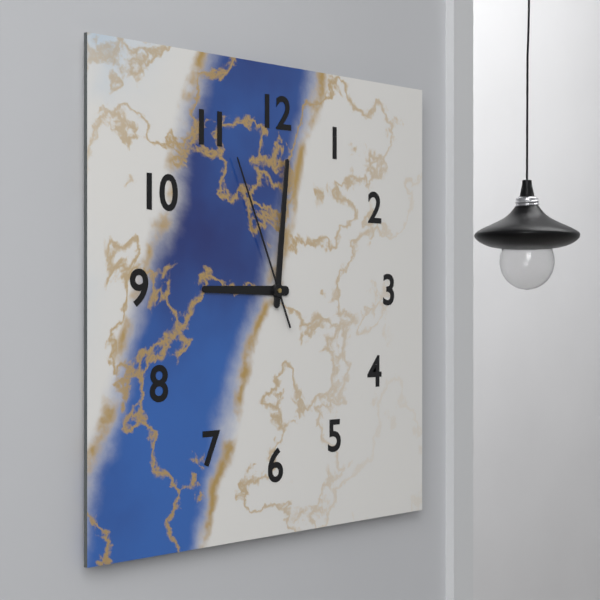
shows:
9,01,56
